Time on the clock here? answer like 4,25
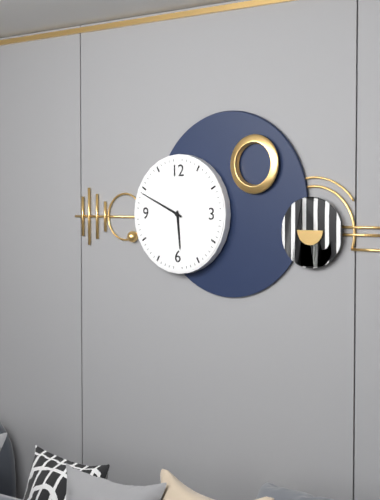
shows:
5,49
